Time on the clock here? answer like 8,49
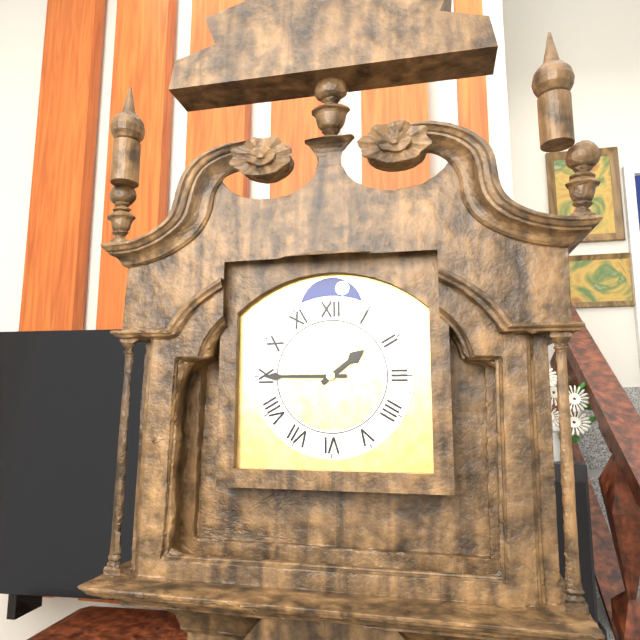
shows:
1,45
